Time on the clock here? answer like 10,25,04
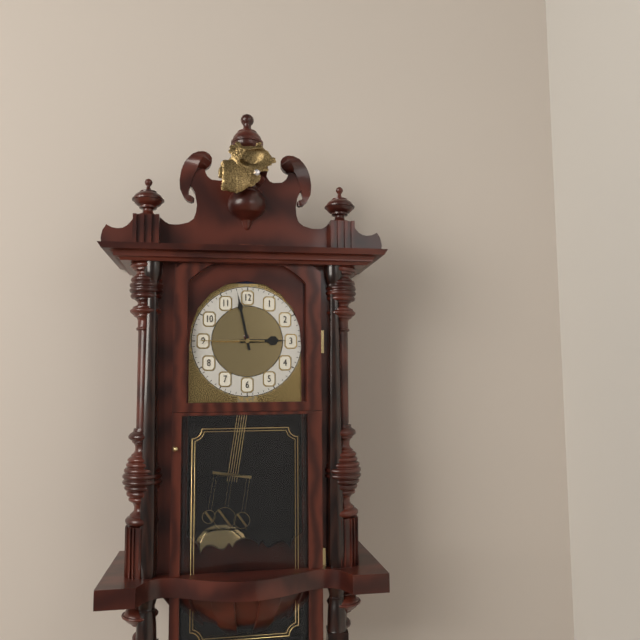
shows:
2,58,45
